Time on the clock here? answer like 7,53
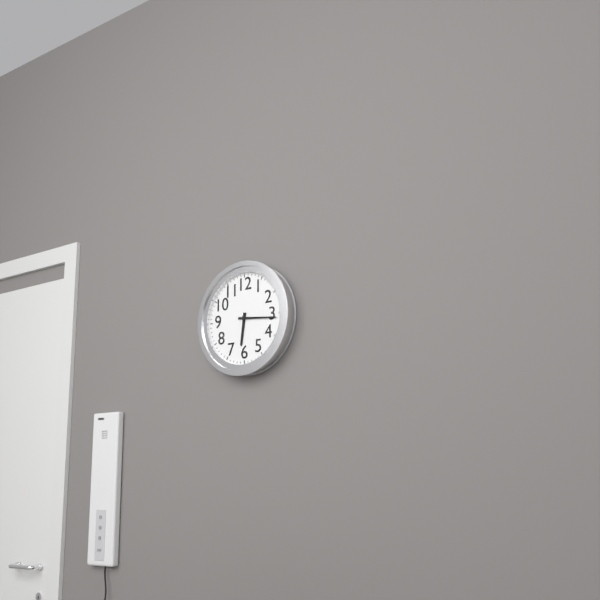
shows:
6,16
